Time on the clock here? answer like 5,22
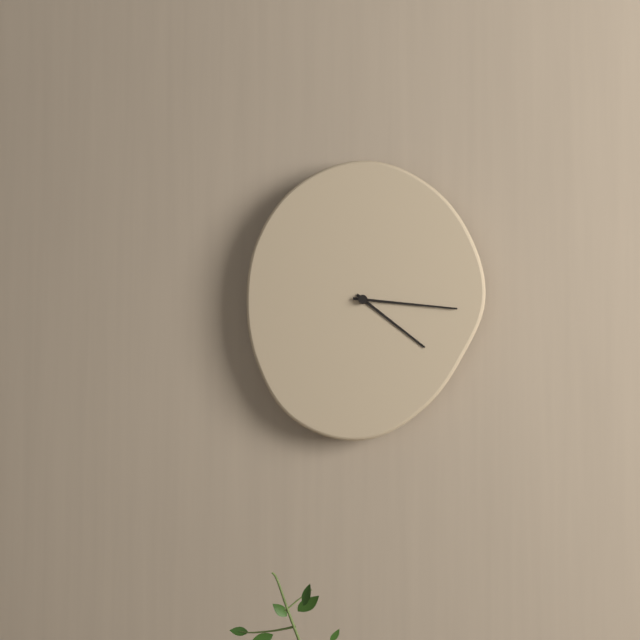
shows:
4,16
